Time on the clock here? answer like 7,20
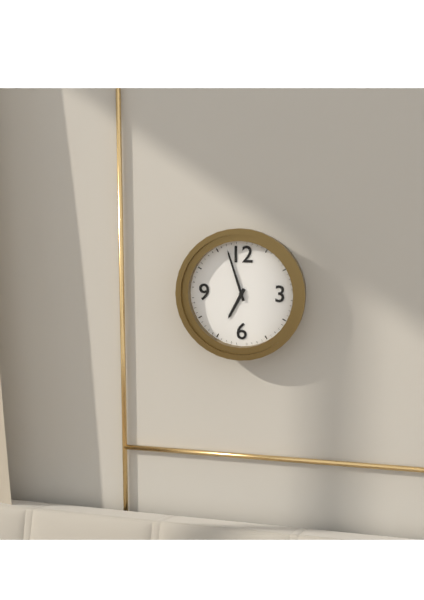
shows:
6,57
